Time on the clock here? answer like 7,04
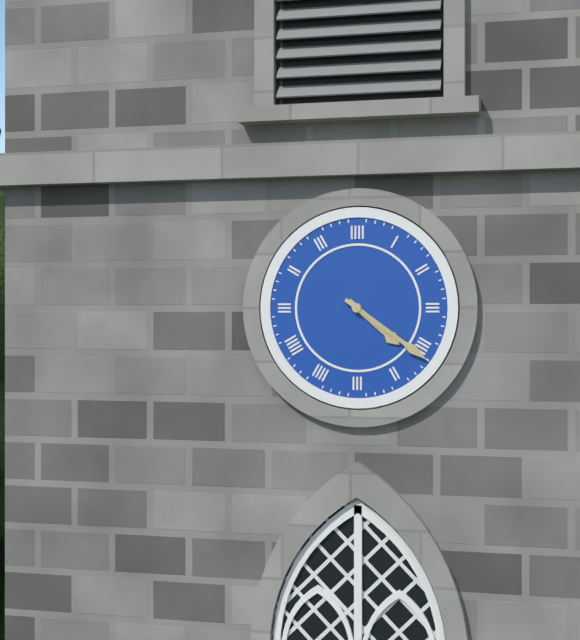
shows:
4,21
